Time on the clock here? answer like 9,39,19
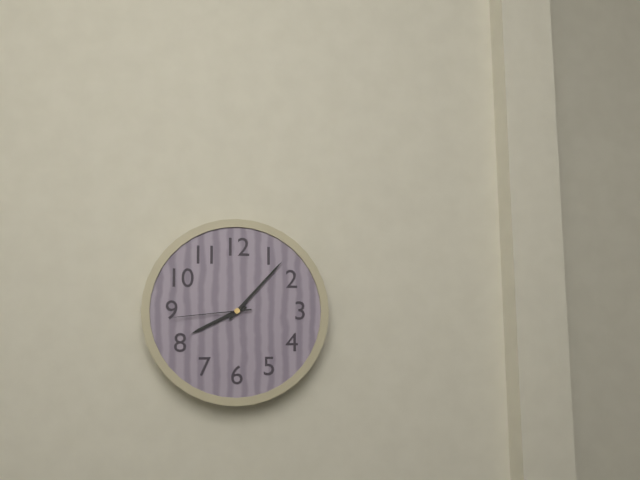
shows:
8,07,44
